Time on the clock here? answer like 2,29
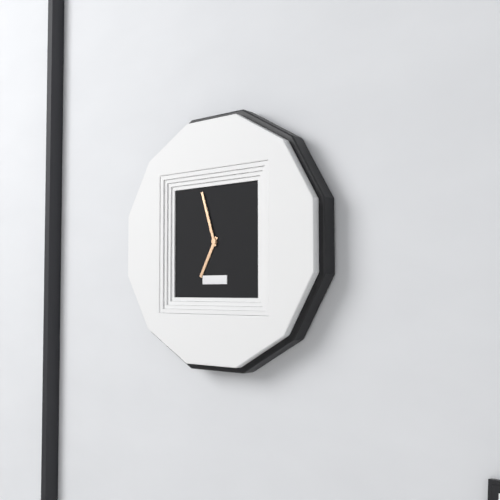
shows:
6,57
